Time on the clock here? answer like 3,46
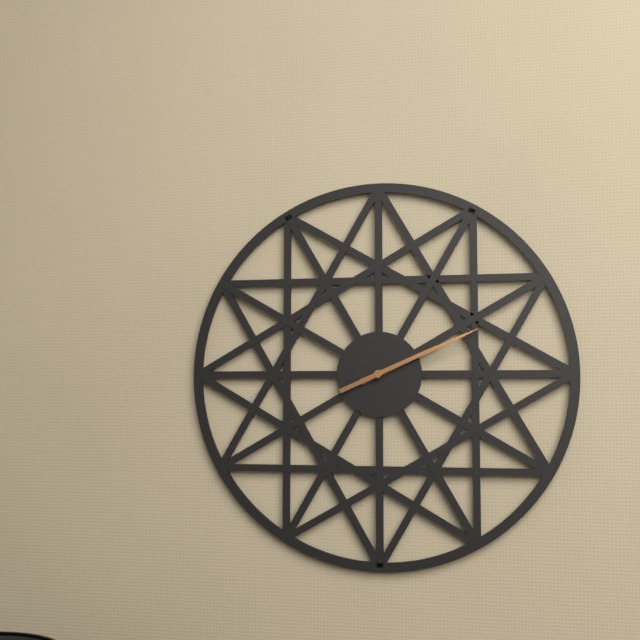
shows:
2,11
